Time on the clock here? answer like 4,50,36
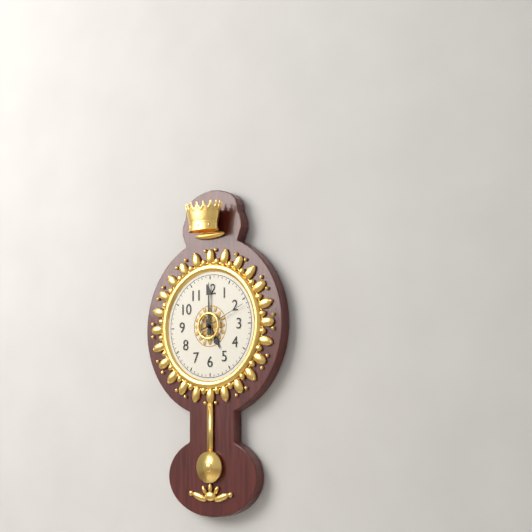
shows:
5,00,11
